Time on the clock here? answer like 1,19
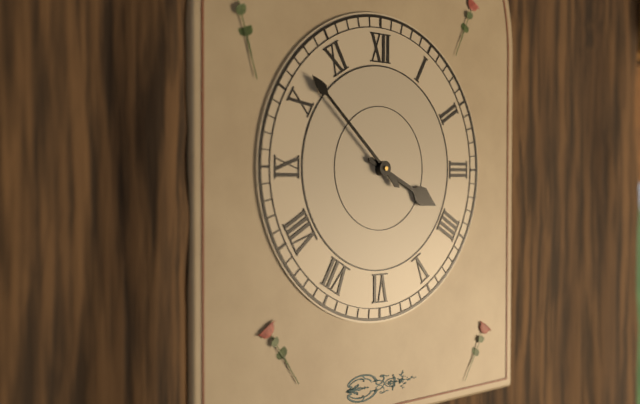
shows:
3,52
